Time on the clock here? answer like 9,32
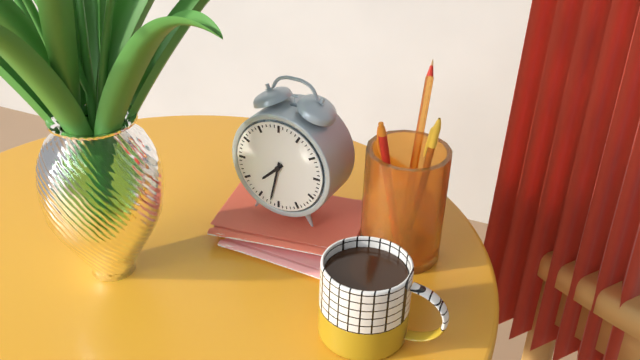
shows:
7,32
